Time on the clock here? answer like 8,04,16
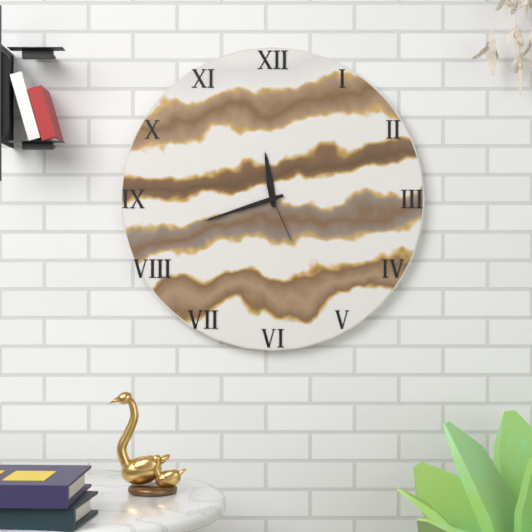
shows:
11,42,26
